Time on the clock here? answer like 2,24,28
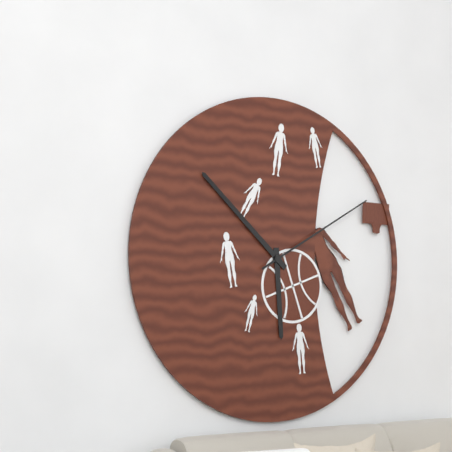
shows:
5,52,10
